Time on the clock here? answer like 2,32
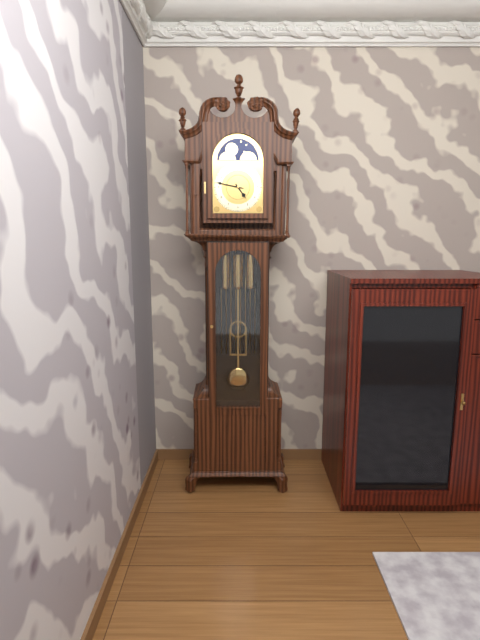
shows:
4,47
